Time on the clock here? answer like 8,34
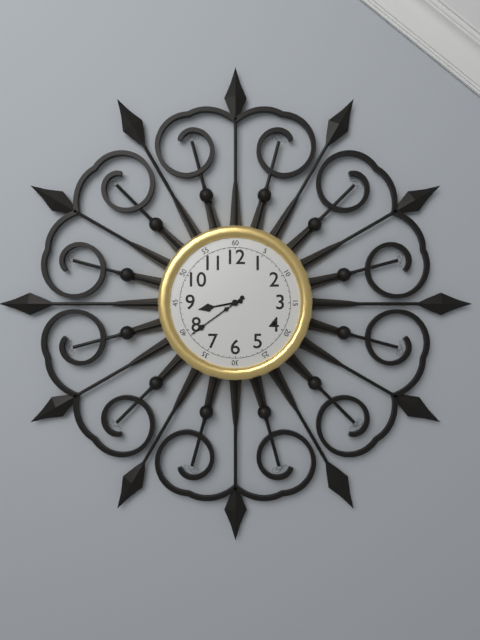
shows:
8,39
